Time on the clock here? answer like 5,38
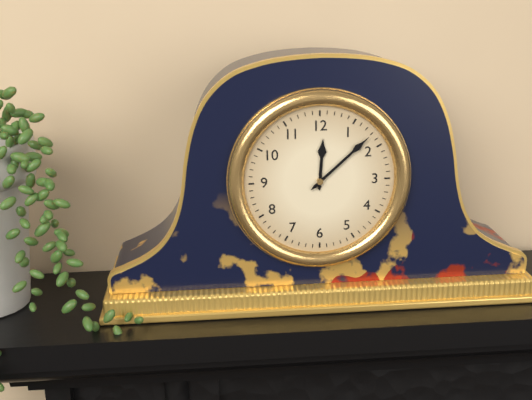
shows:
12,08
